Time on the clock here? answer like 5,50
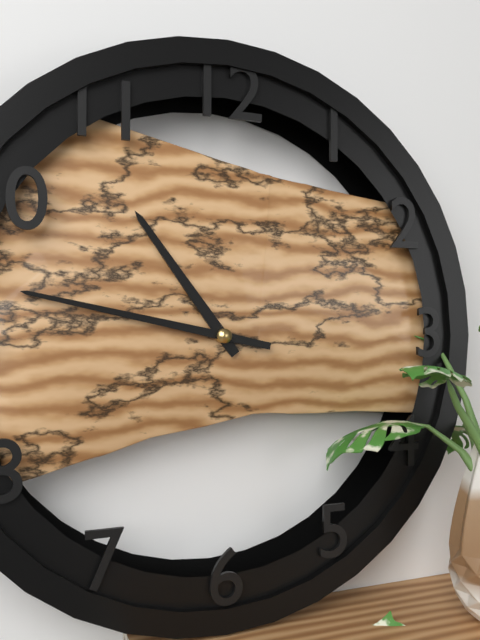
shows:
10,47
